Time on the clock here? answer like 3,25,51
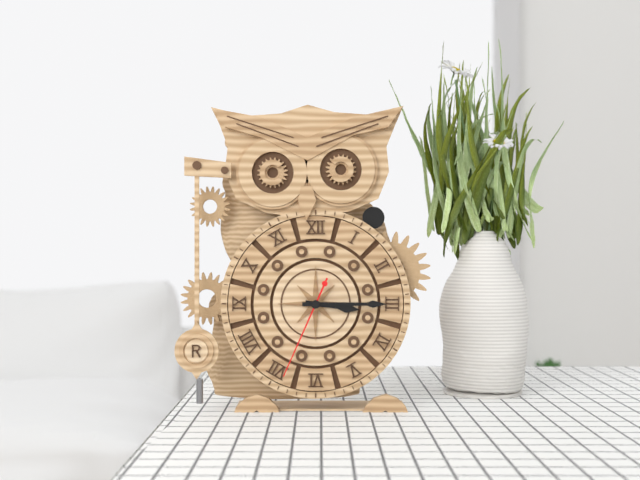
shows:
3,15,34
